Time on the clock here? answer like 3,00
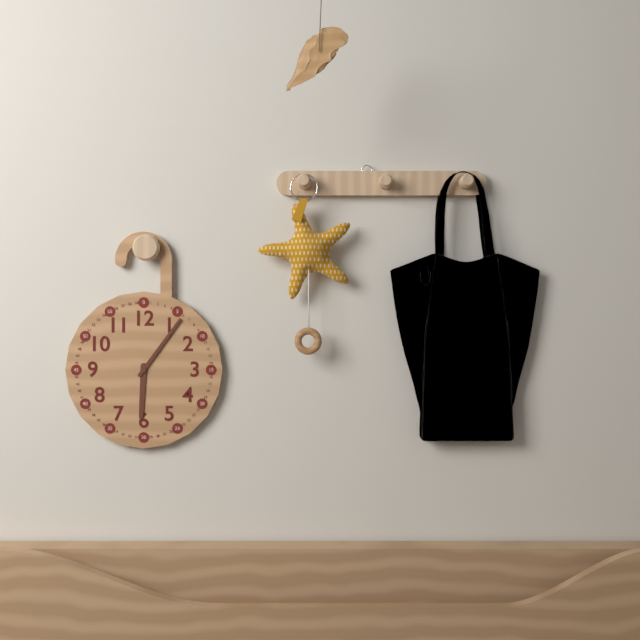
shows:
6,06
